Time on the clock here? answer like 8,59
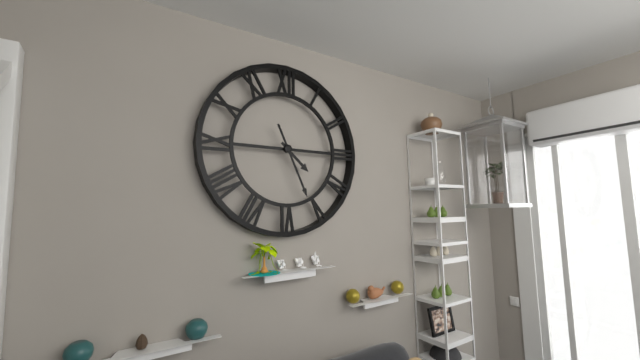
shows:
4,26
